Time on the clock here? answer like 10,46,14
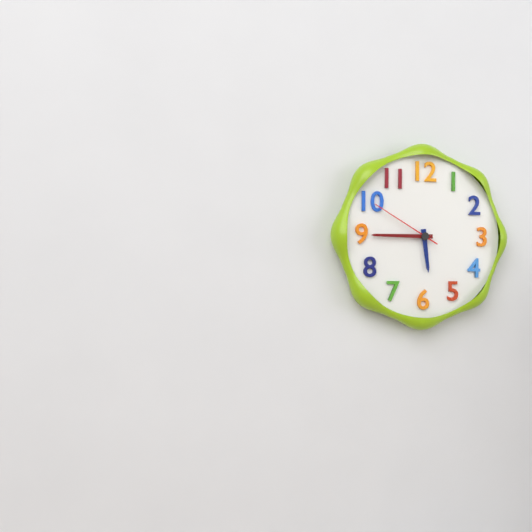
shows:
5,45,50
